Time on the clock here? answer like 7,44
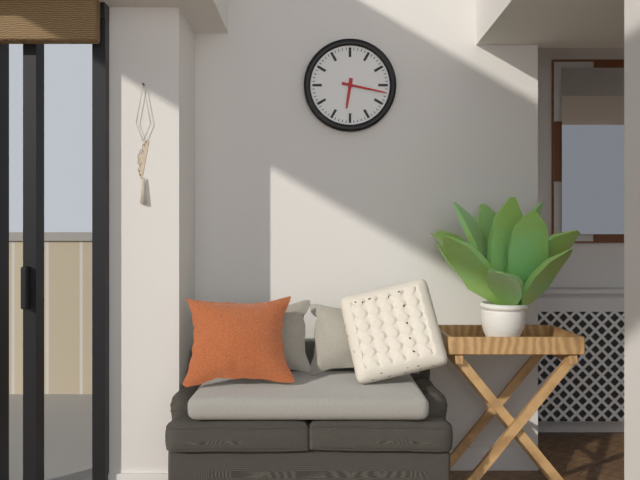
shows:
6,17
